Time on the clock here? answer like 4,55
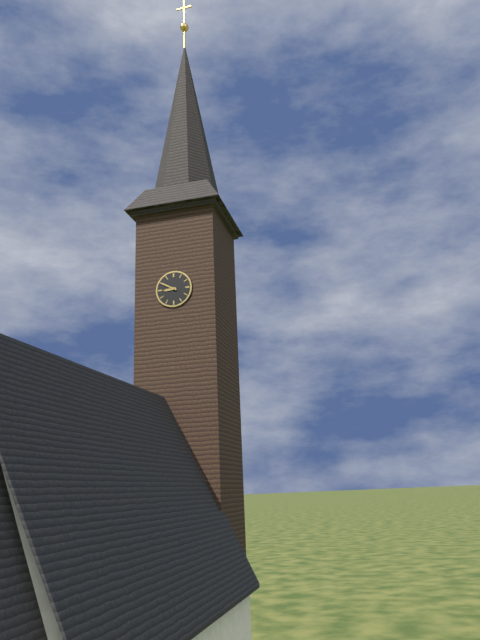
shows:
8,50
